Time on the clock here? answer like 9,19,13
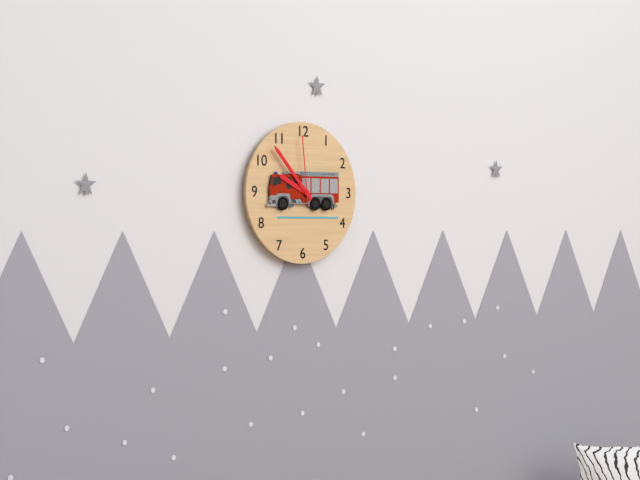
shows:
9,53,59
